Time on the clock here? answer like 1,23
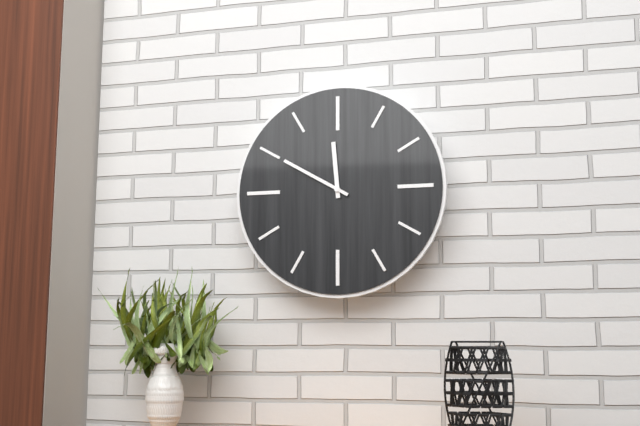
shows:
11,50
